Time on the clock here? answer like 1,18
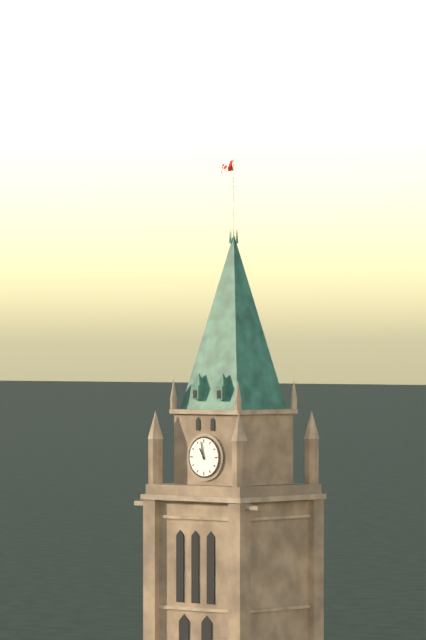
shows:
10,58
